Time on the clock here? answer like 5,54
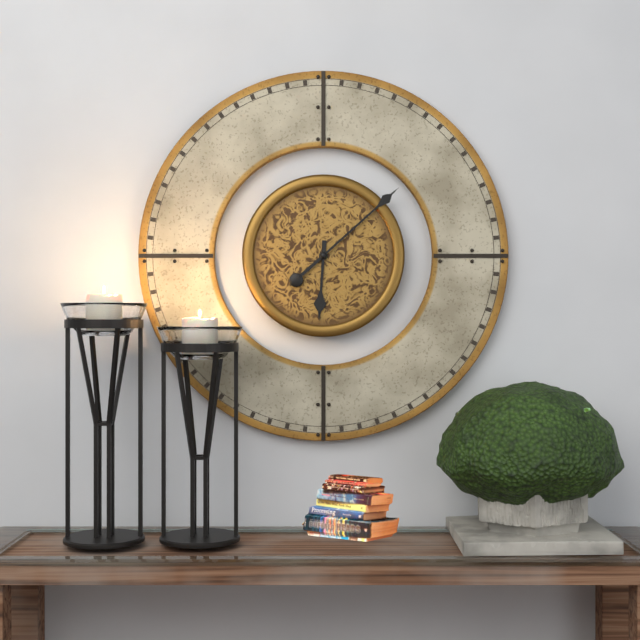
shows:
6,08
